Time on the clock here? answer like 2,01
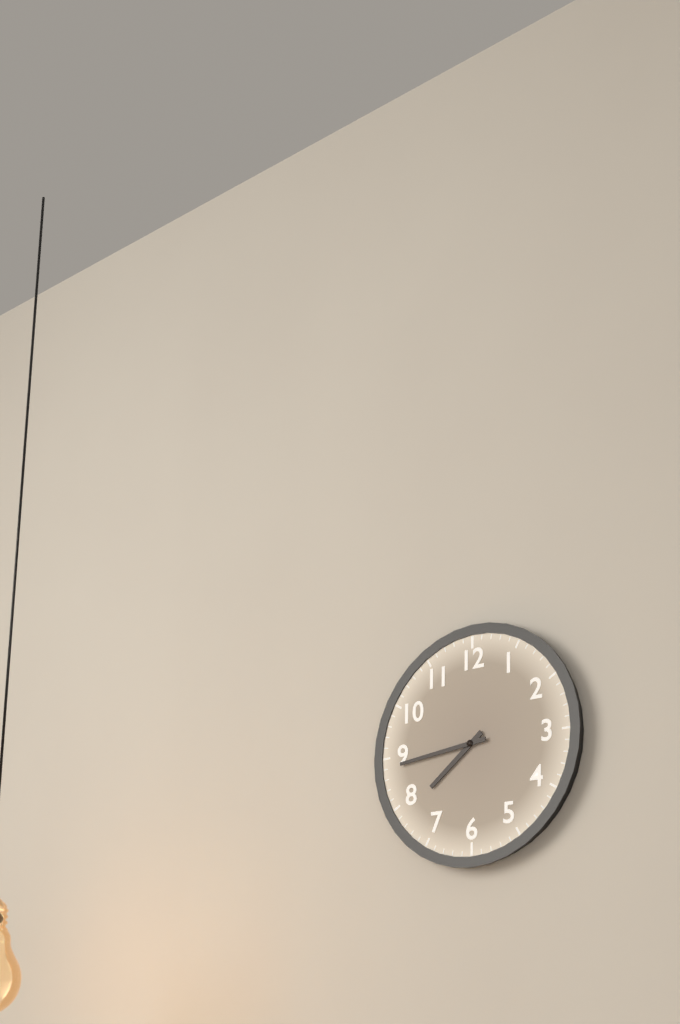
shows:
7,44
